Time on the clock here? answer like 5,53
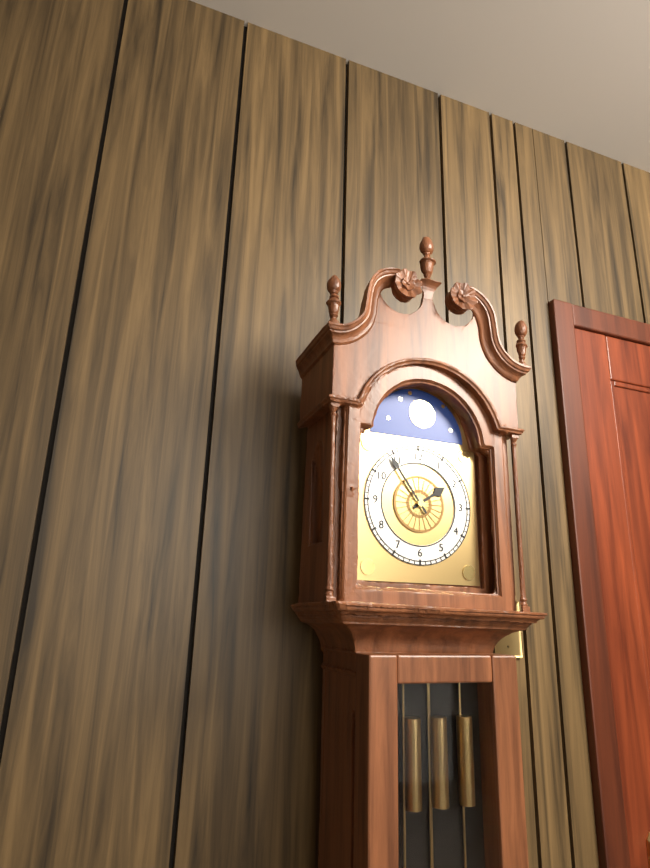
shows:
1,54
